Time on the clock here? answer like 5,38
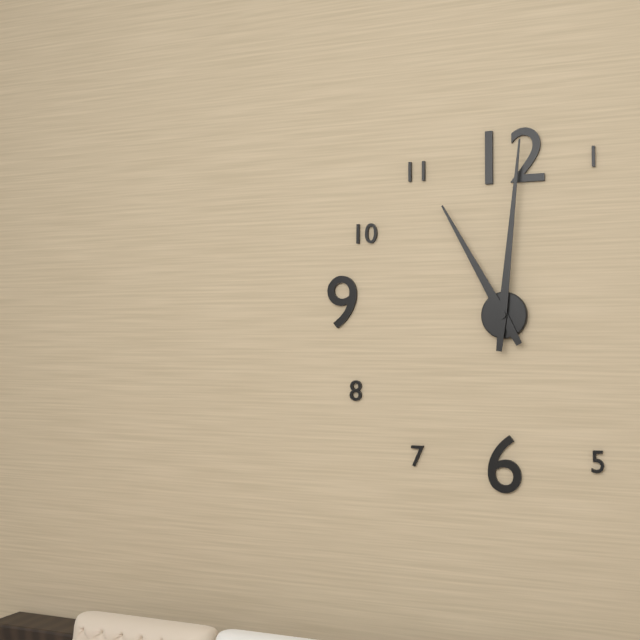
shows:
11,01
